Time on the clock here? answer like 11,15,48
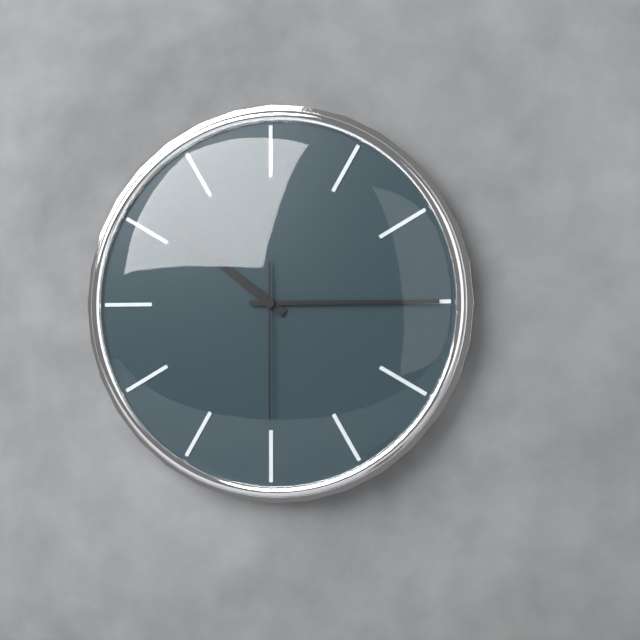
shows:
10,15,30
